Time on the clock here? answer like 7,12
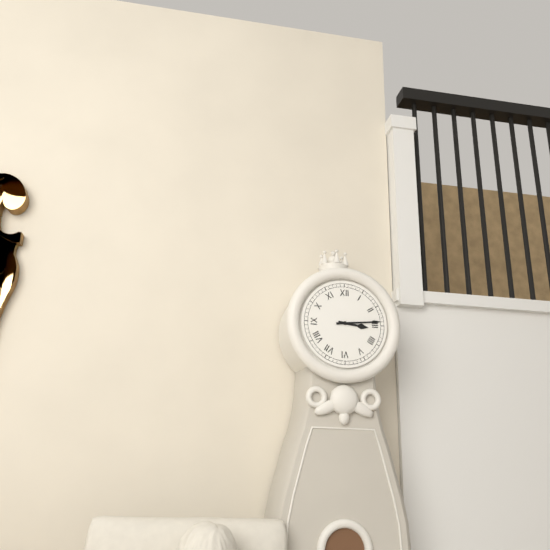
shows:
3,14
